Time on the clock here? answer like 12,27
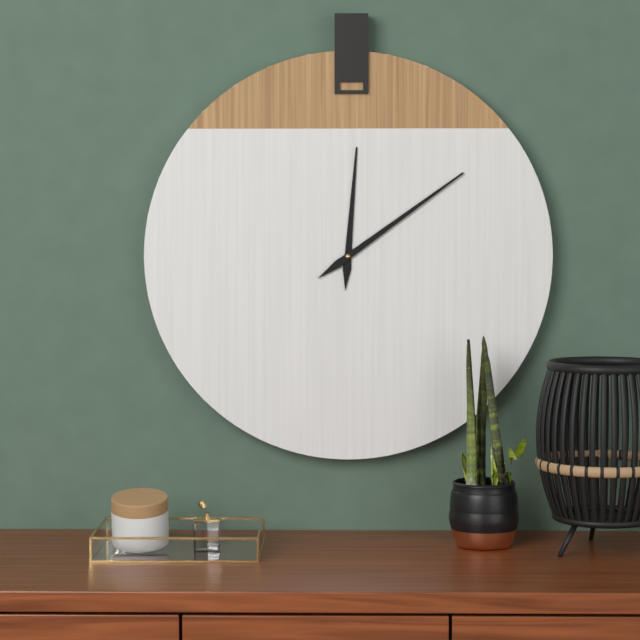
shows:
12,09
